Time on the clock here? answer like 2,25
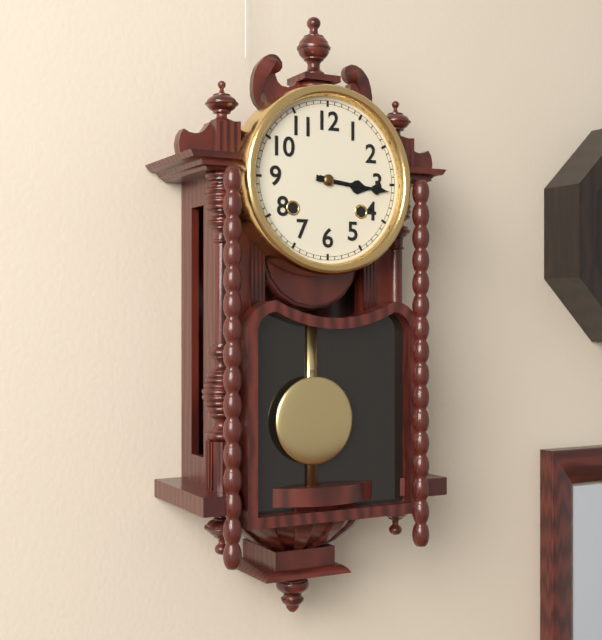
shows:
3,16
